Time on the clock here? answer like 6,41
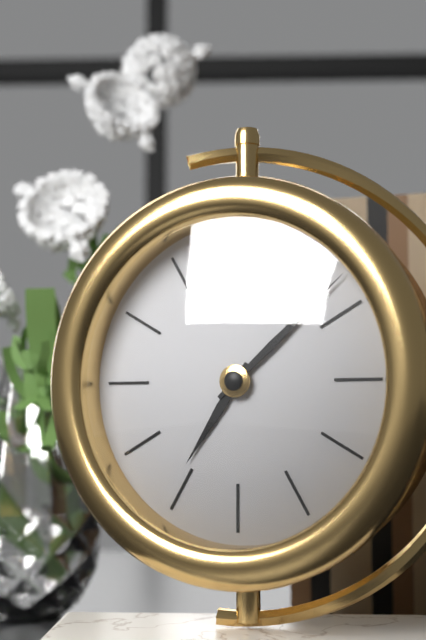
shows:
7,08
